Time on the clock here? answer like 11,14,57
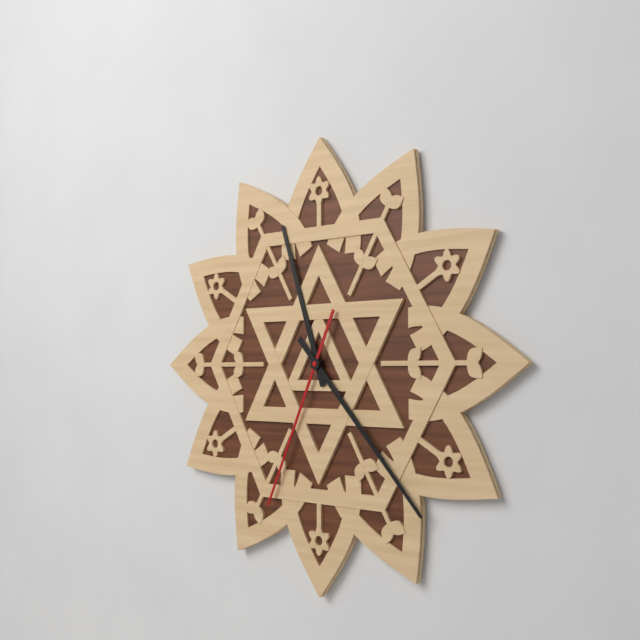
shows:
11,23,34
